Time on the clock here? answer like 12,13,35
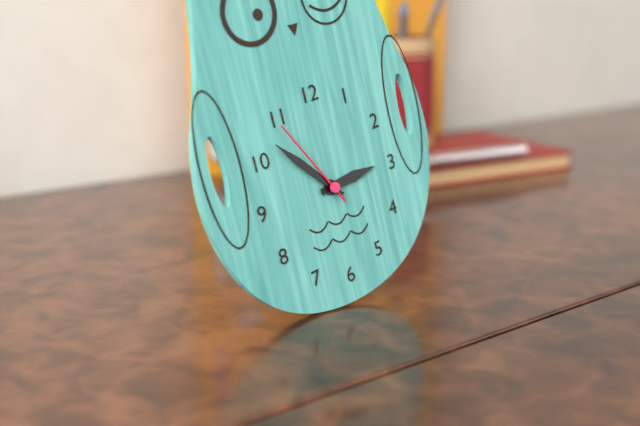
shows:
2,53,55
